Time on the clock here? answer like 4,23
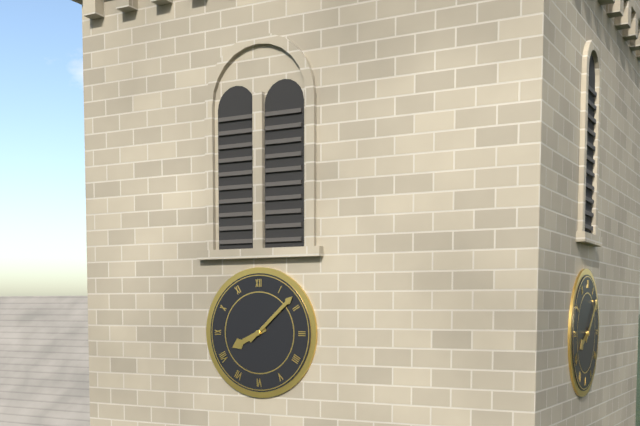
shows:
8,08
